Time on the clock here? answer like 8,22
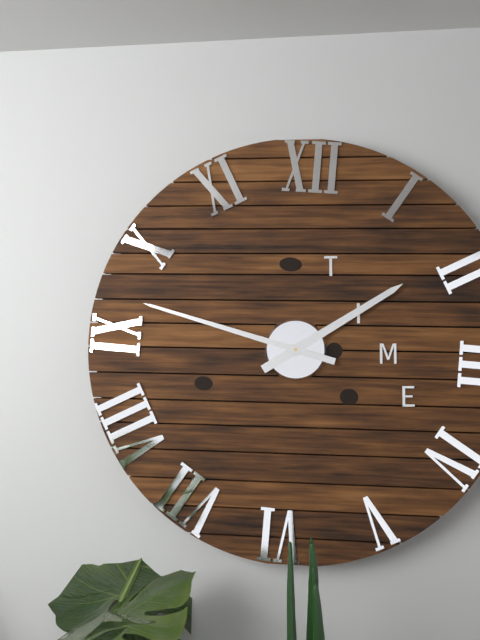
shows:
1,47
